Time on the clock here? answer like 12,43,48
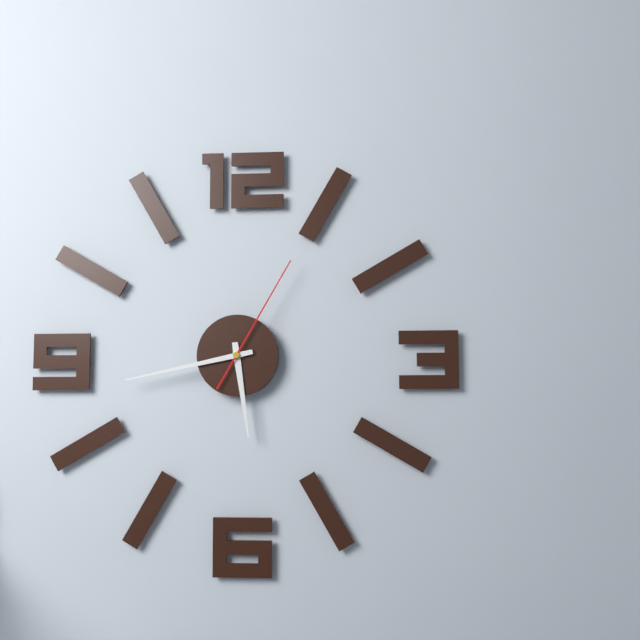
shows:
5,43,05
